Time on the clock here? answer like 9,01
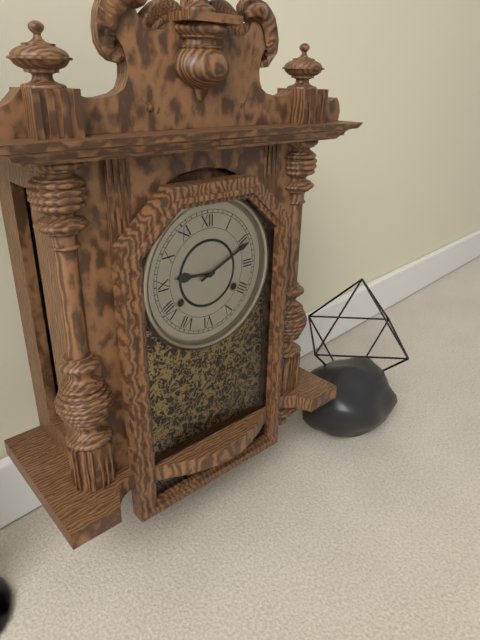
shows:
9,11
